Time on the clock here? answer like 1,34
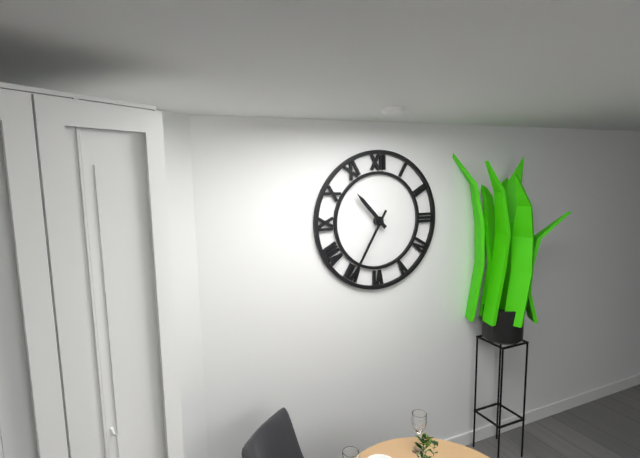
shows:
10,35
